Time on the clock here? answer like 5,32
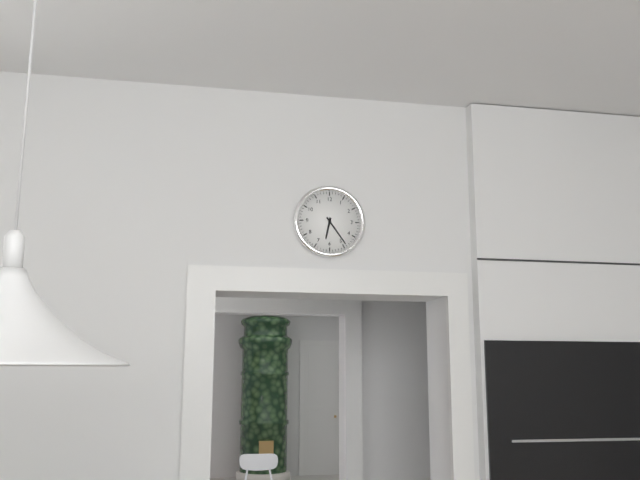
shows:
6,24
